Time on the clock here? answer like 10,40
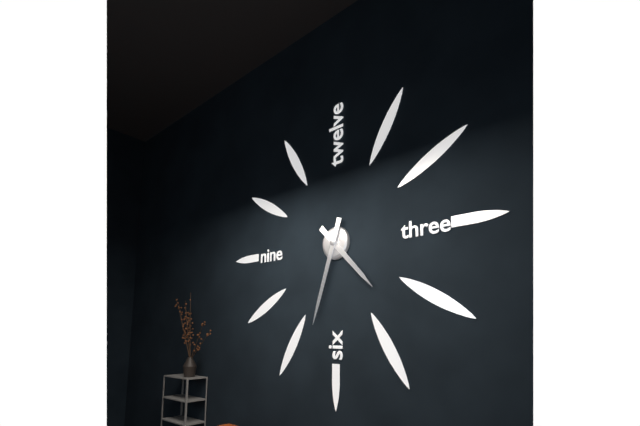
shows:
4,33
